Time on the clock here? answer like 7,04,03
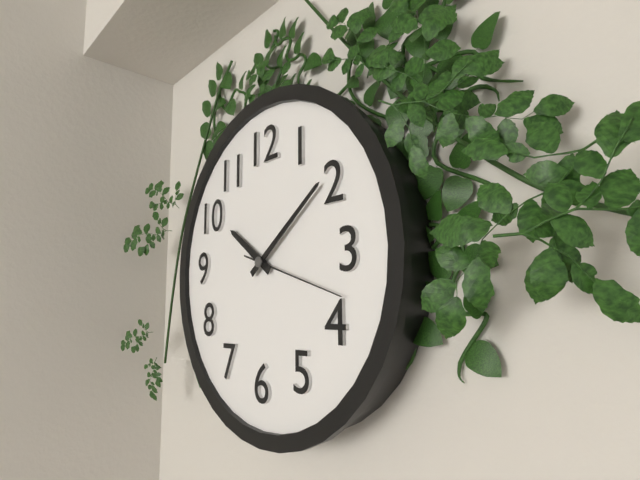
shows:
10,09,18
